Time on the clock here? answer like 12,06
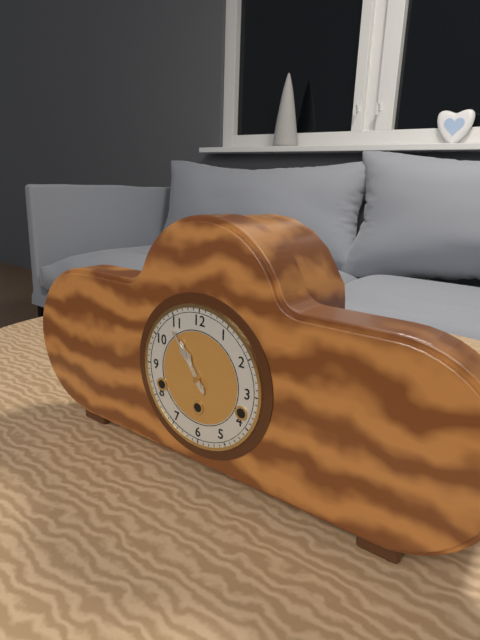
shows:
10,54
